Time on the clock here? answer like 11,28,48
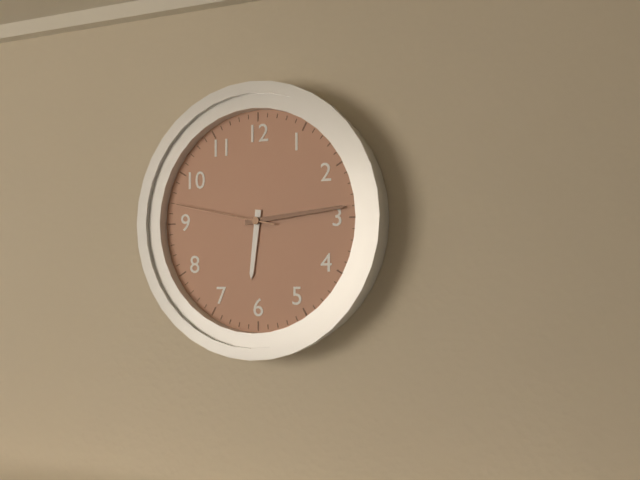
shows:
6,14,47
